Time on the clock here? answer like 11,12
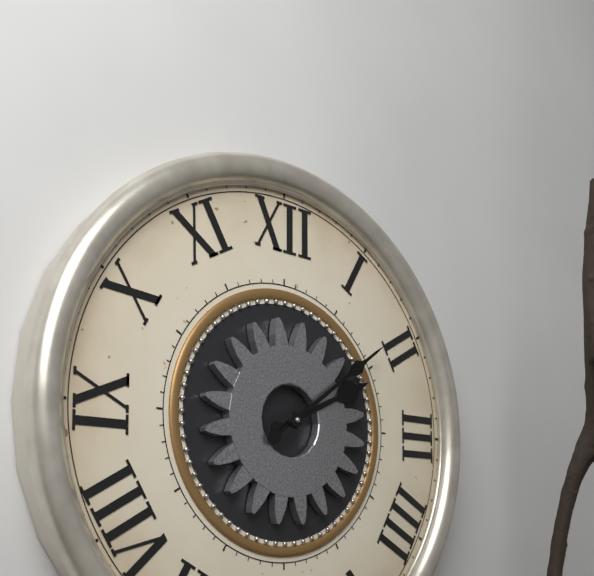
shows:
2,09
